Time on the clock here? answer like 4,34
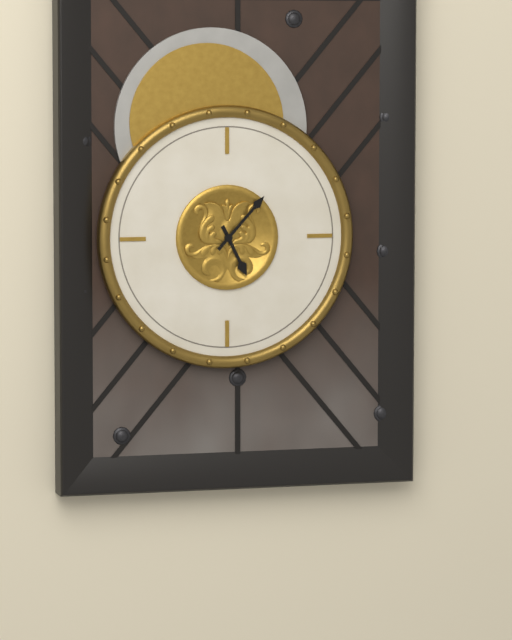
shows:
5,07
